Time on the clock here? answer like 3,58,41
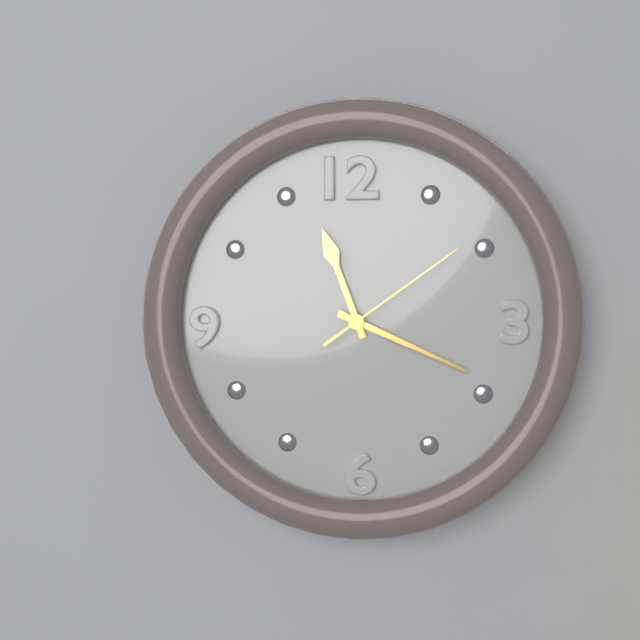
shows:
11,19,09
